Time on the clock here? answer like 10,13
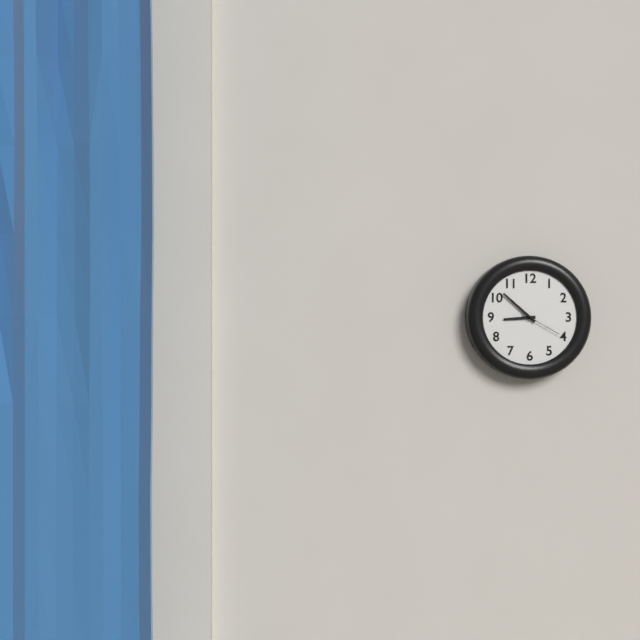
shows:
8,52
